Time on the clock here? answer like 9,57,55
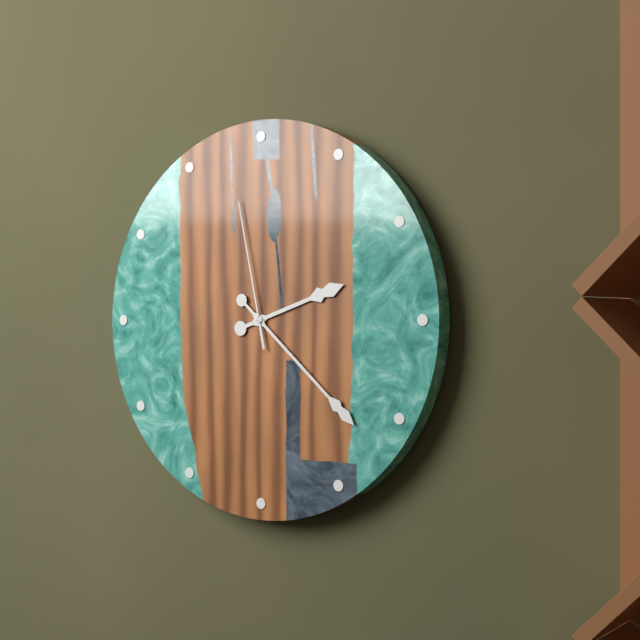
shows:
2,22,58
